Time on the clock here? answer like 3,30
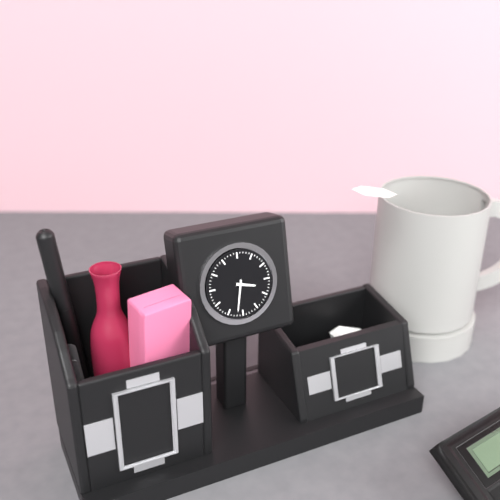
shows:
3,32
